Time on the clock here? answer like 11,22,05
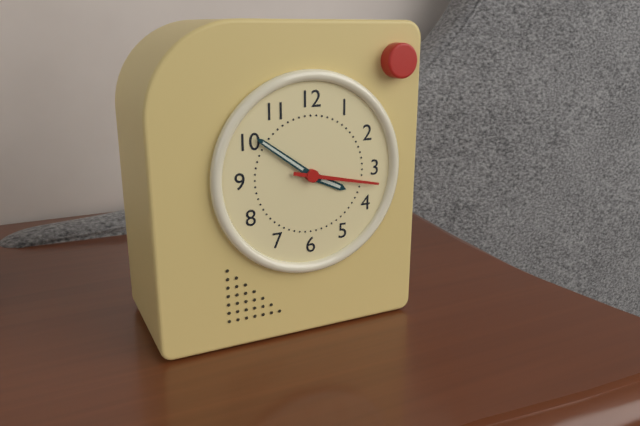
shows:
3,51,17
